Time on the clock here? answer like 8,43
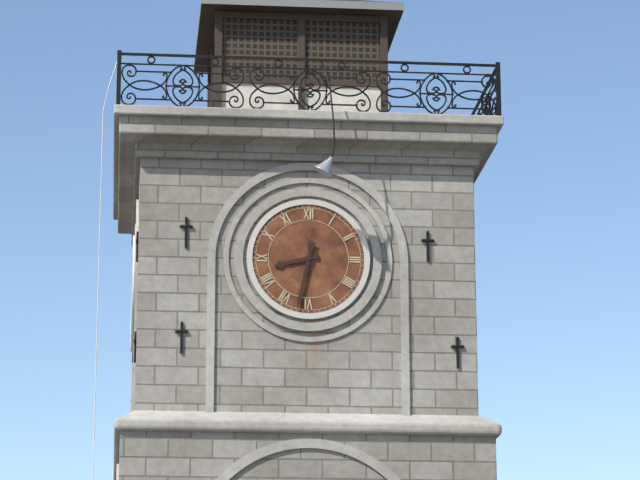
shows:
8,32
